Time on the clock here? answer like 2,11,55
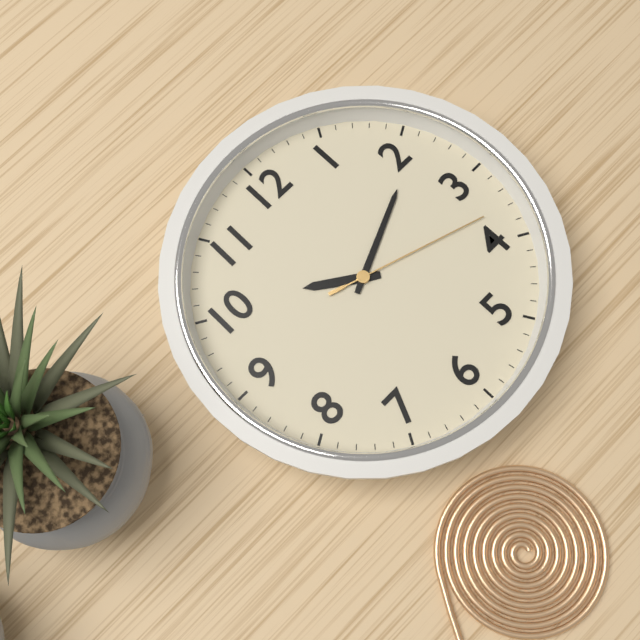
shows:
10,11,18
